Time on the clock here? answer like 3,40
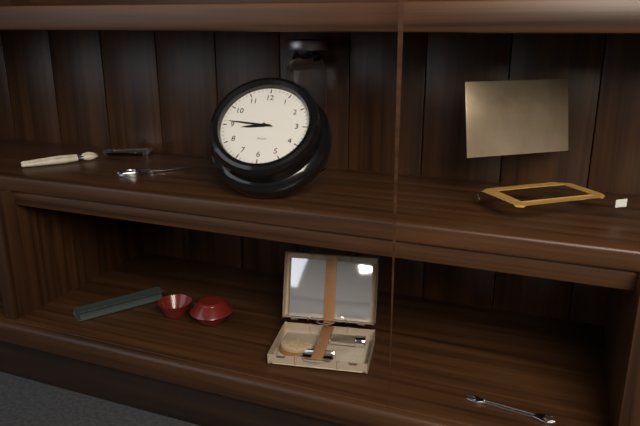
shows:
8,46
